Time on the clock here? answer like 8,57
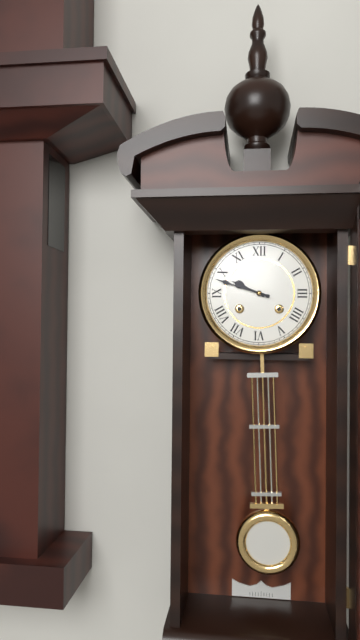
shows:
9,48
